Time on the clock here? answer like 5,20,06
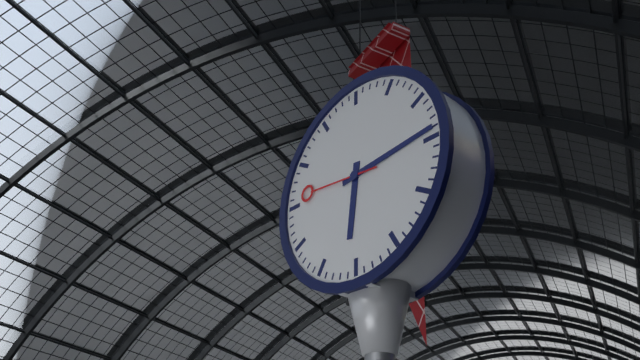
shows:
6,14,46
